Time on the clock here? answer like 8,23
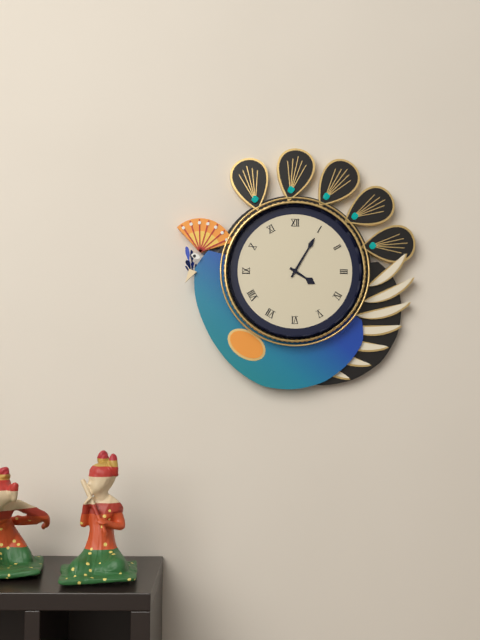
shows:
4,05
